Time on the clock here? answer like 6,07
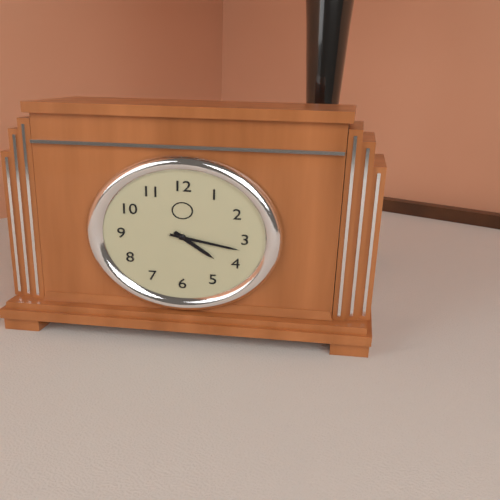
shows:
4,17
